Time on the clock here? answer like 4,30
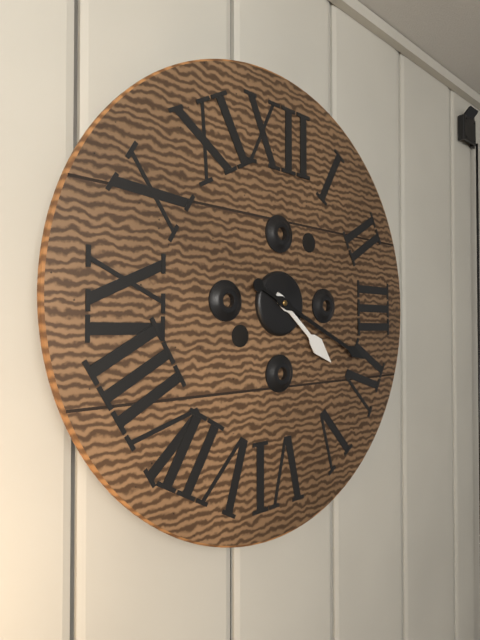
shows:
4,19
